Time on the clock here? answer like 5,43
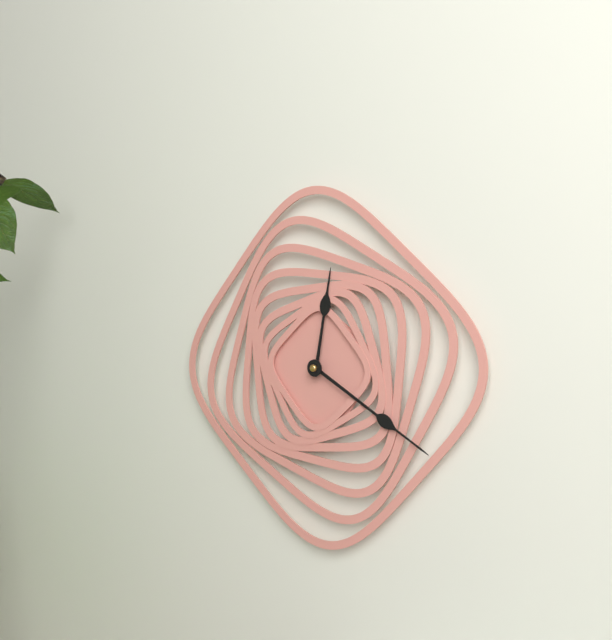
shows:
12,20
